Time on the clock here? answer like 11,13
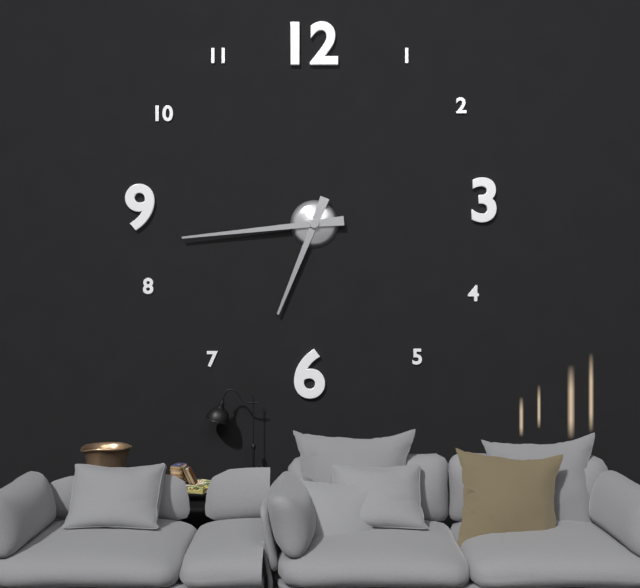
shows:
6,44
